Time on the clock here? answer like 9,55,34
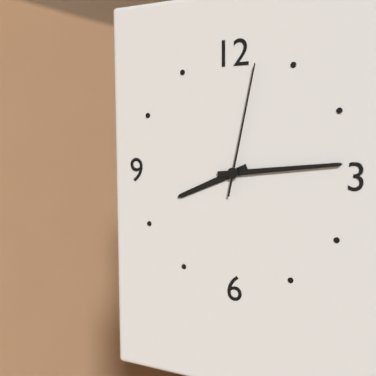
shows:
8,14,02
